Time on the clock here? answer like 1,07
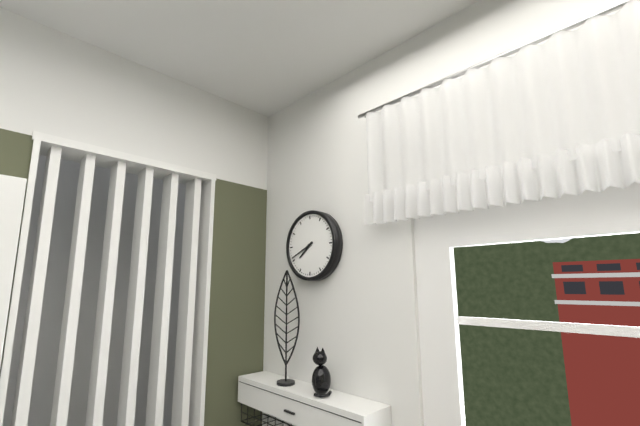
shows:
7,41
